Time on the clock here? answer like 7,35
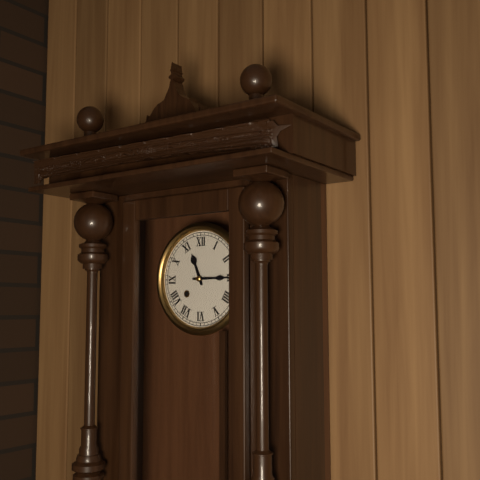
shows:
11,15
